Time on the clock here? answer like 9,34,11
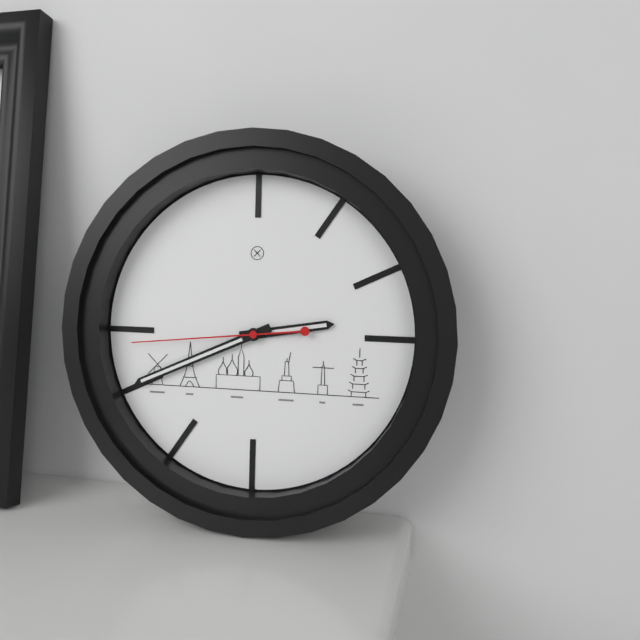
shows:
2,41,44
